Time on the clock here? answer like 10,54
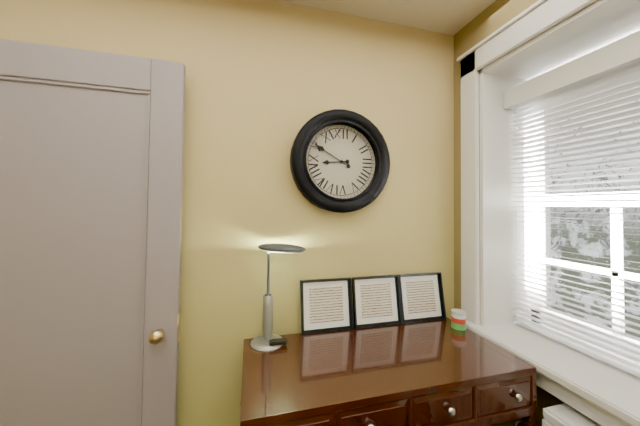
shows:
8,50
